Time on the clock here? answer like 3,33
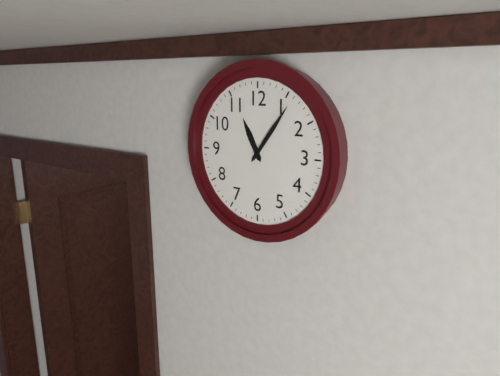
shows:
11,06
